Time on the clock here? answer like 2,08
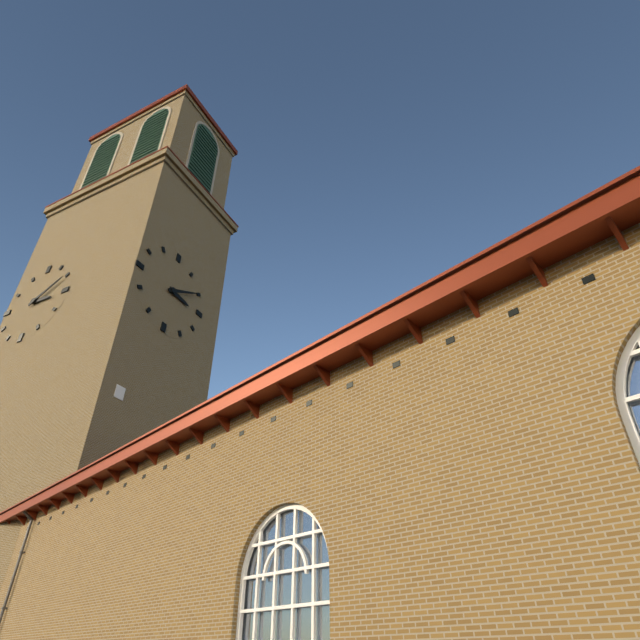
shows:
3,10
